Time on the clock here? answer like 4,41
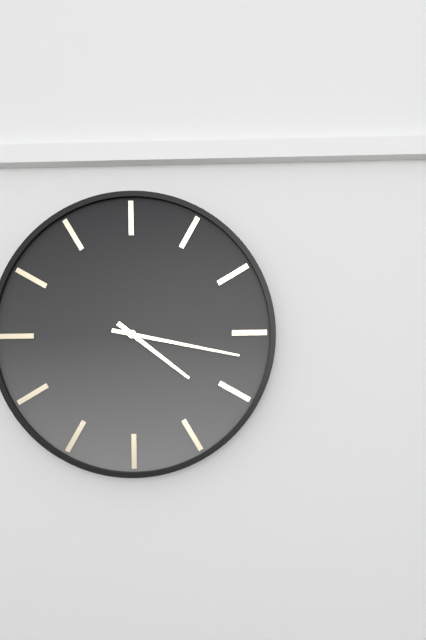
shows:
4,17
